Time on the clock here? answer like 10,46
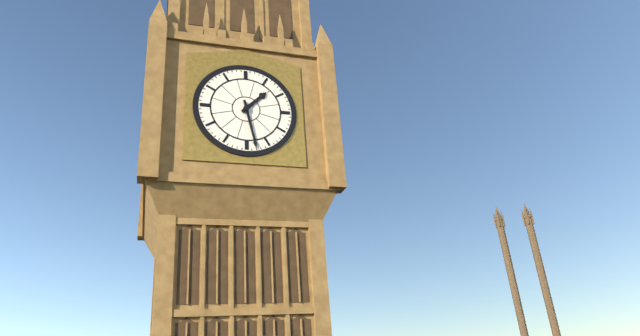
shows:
1,28
